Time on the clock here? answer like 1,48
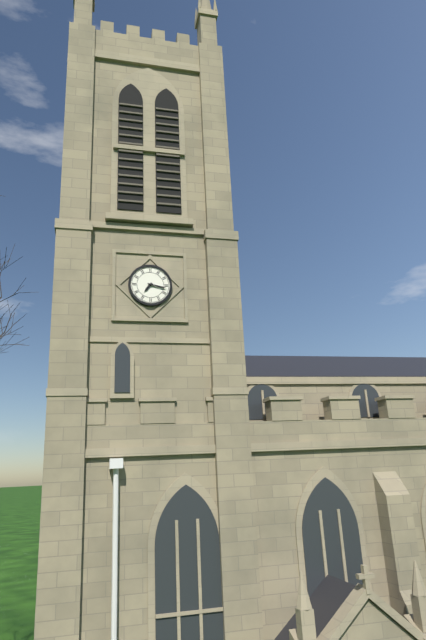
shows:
7,17
